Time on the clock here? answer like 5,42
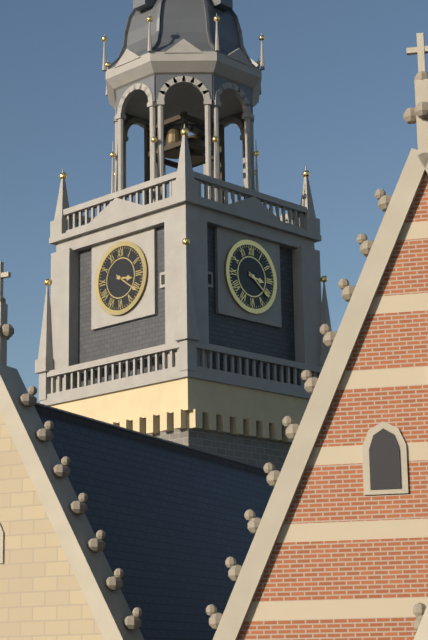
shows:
3,21
